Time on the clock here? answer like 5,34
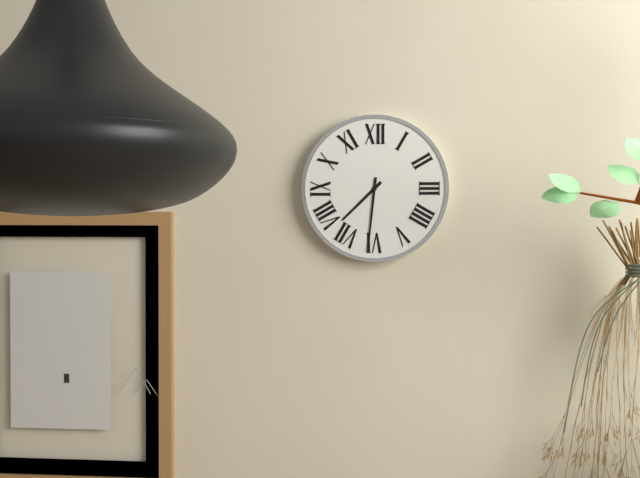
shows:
7,31
